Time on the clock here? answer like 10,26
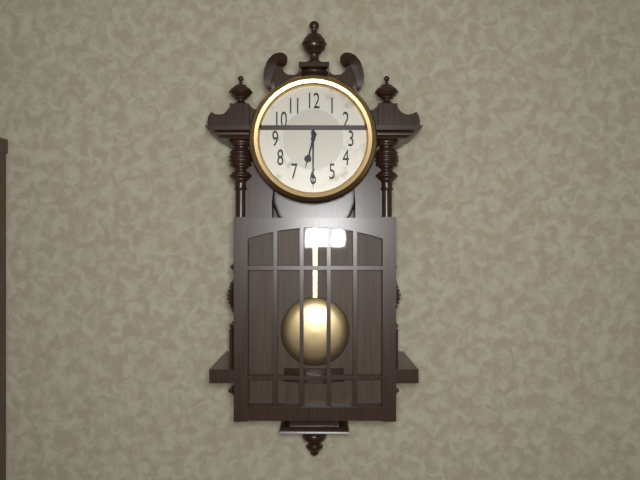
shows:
6,30
